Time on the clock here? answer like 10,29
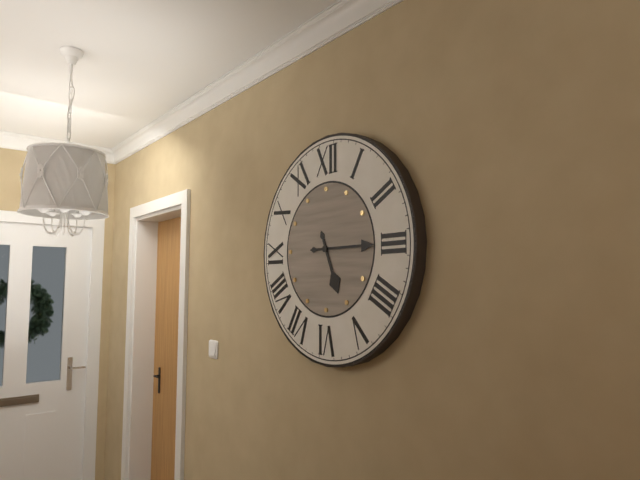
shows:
5,15
